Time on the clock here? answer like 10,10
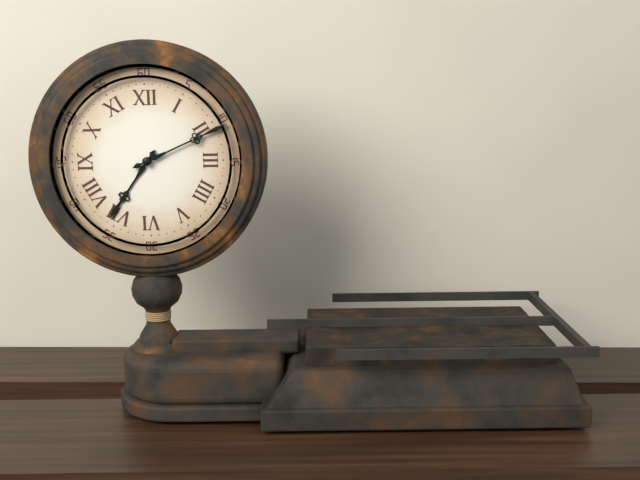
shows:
7,11
